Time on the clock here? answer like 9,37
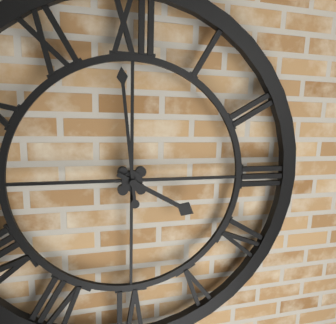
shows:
3,59
